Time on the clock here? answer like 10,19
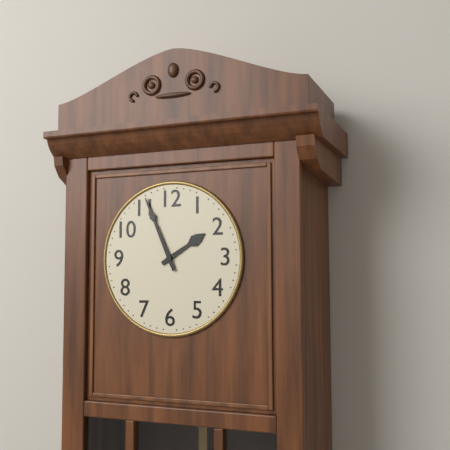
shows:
1,56
